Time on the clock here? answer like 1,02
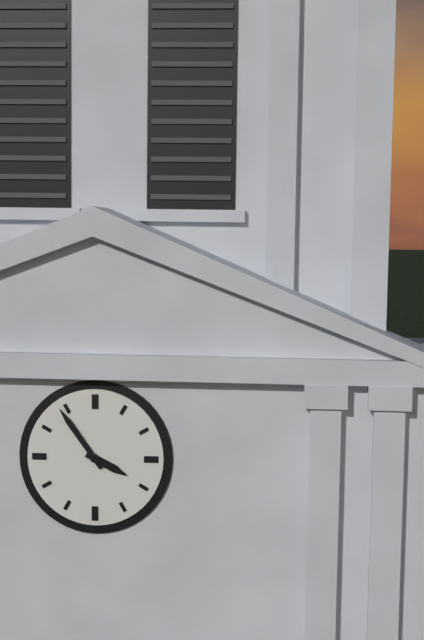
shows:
3,54
